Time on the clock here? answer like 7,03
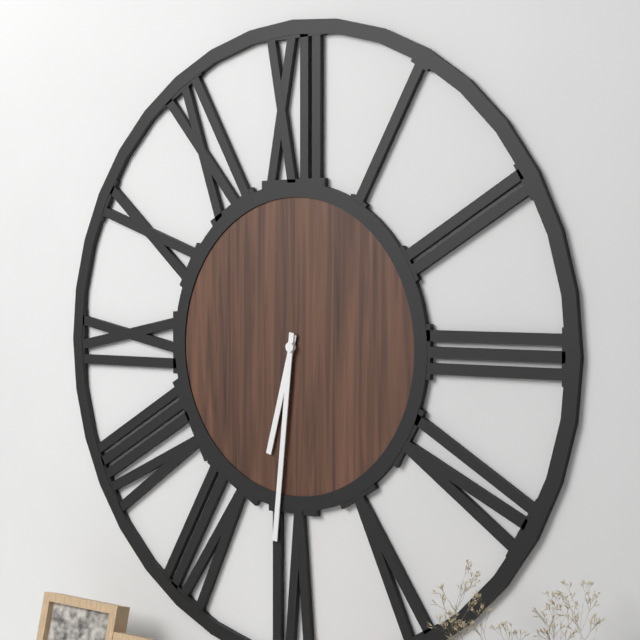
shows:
6,31
